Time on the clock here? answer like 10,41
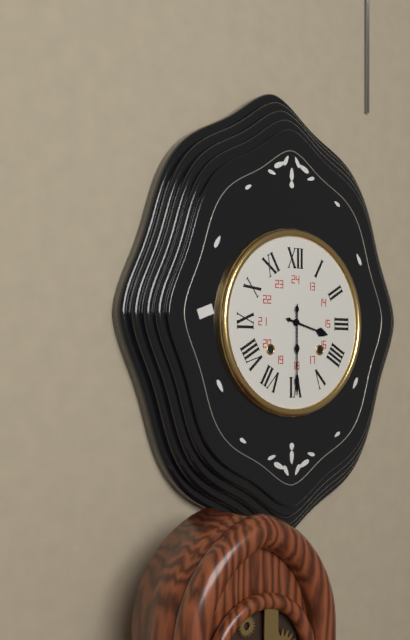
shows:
3,30
